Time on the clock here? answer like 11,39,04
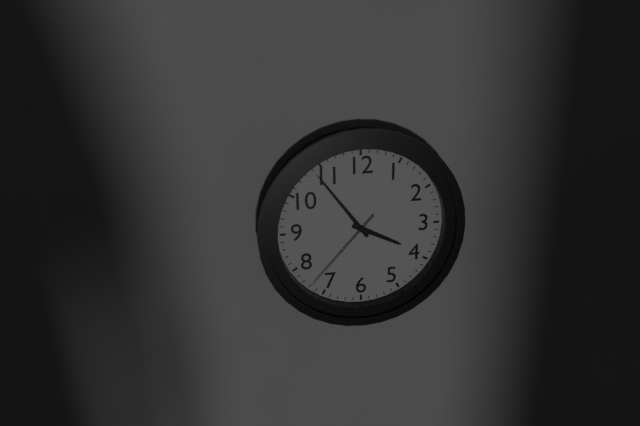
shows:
3,54,37
